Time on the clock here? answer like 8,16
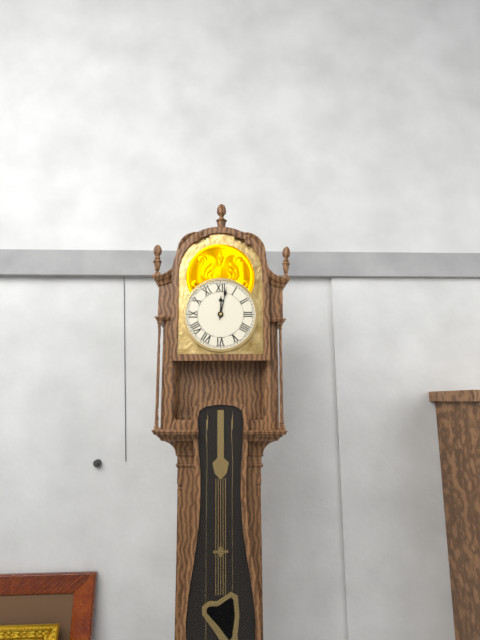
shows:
12,02
